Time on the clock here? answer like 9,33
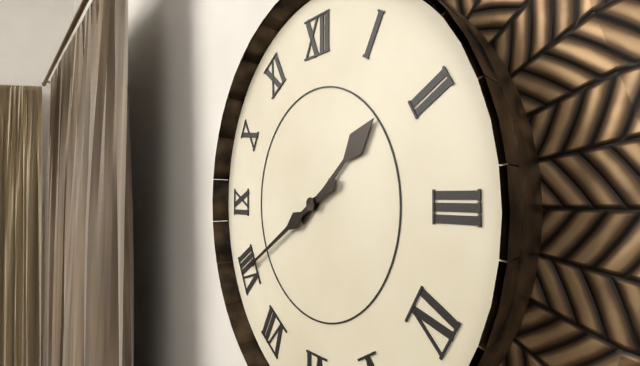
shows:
1,40
